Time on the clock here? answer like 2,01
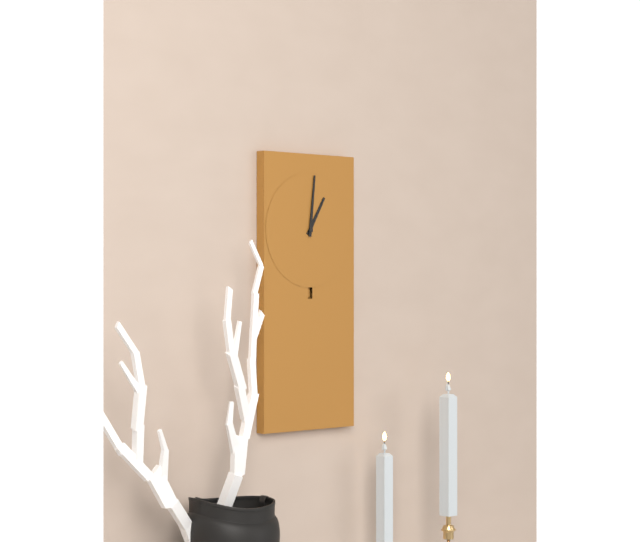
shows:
1,01
